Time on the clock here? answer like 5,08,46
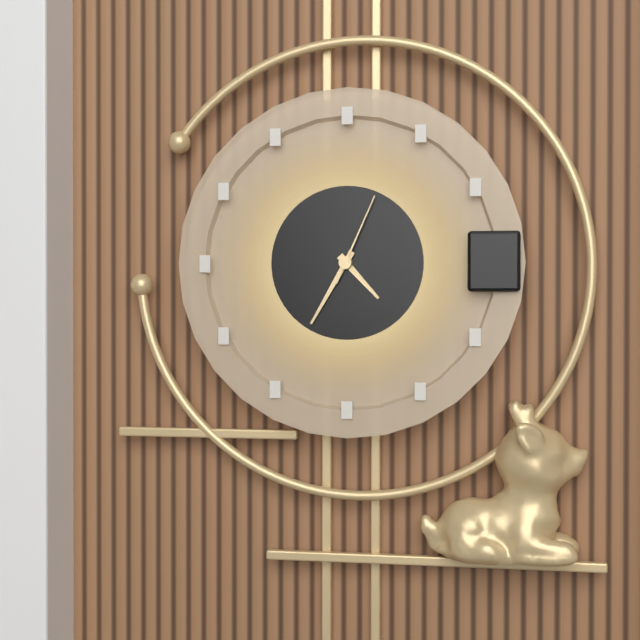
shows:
4,35,04
